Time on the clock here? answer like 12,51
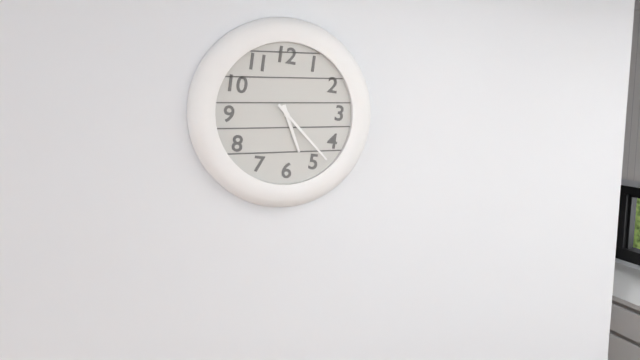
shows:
5,23
